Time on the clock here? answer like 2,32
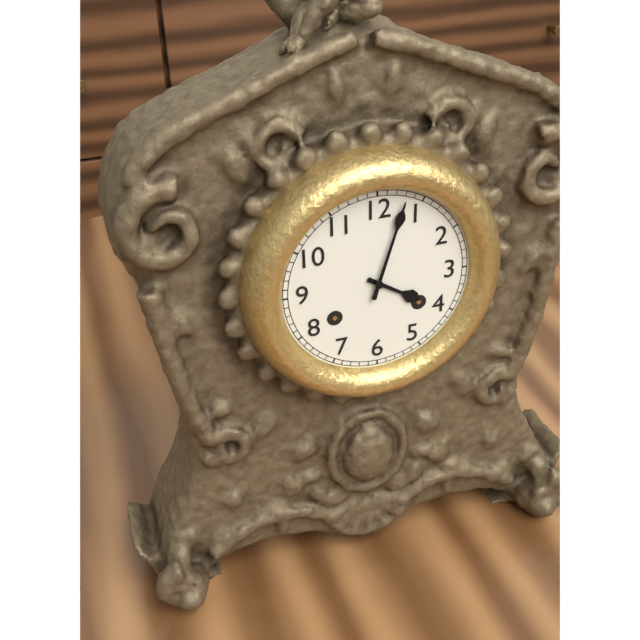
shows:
4,03
